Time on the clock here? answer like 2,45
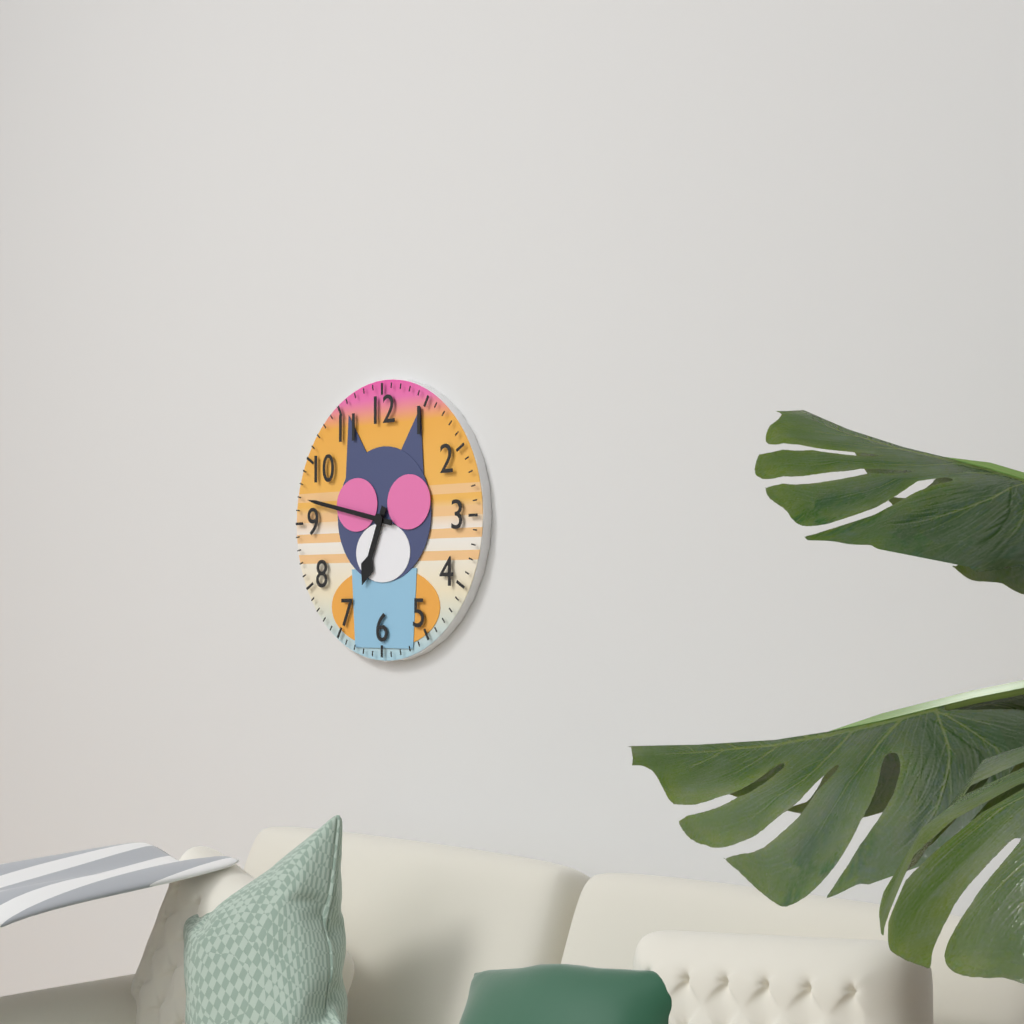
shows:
6,47
